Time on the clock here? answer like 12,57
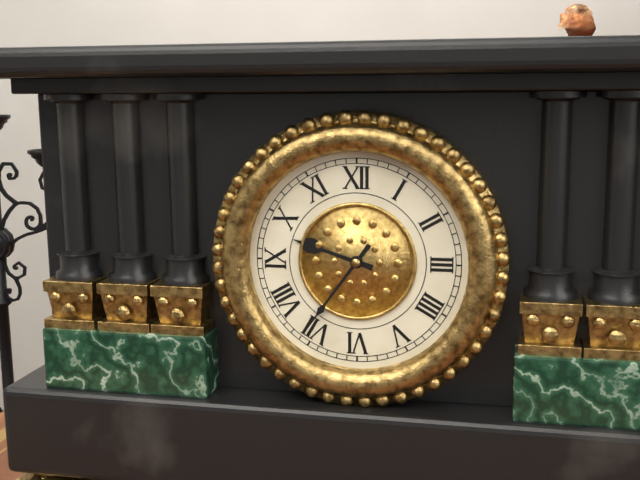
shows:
9,36
